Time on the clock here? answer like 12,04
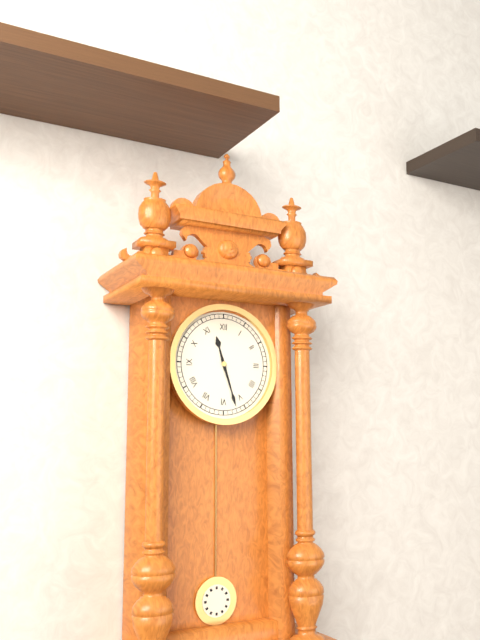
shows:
11,27
